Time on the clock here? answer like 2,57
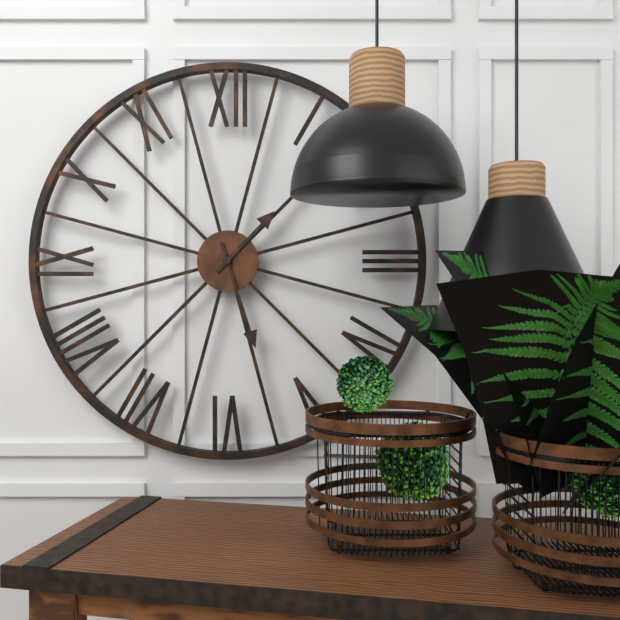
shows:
1,27
